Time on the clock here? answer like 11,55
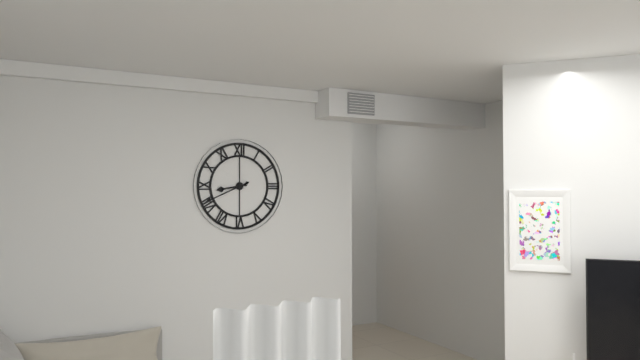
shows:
8,41
